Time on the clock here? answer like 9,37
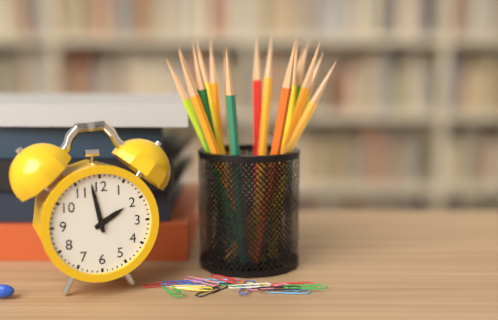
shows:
1,58
